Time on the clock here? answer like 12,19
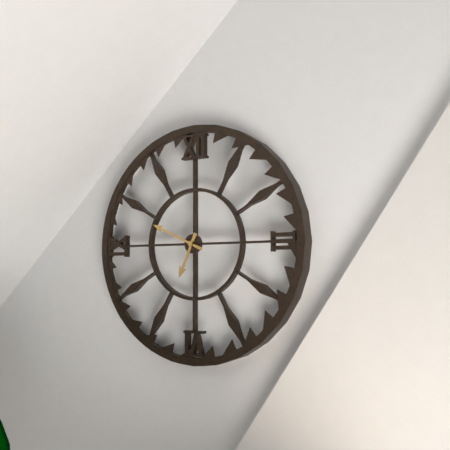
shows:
6,49
